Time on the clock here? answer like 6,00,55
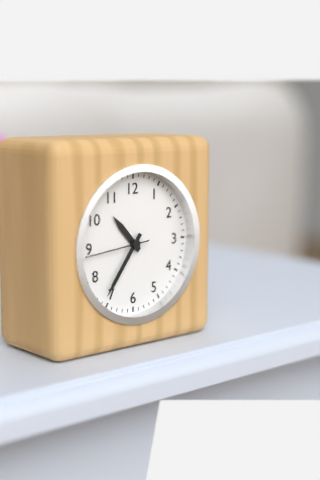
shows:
10,36,44
